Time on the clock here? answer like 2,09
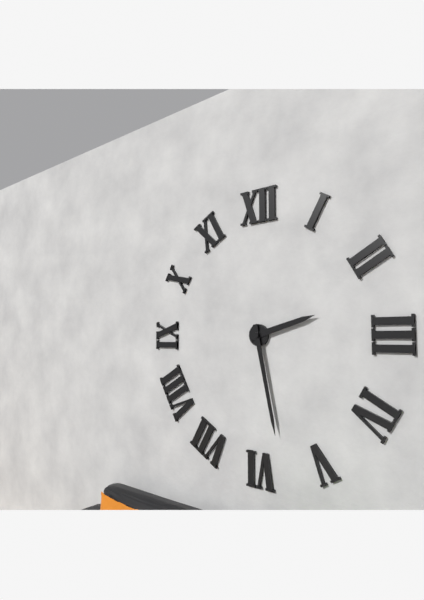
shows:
2,28
